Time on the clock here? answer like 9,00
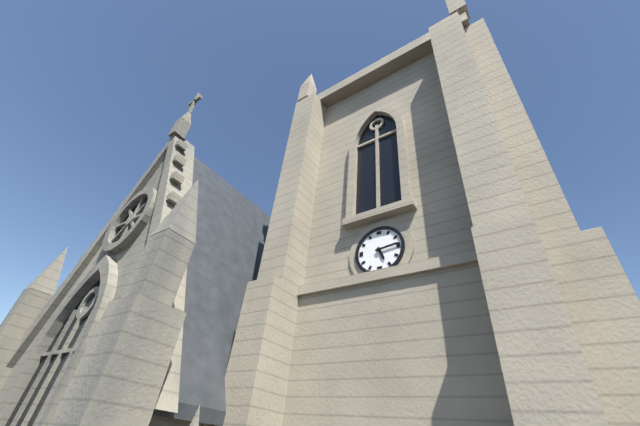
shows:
5,14
